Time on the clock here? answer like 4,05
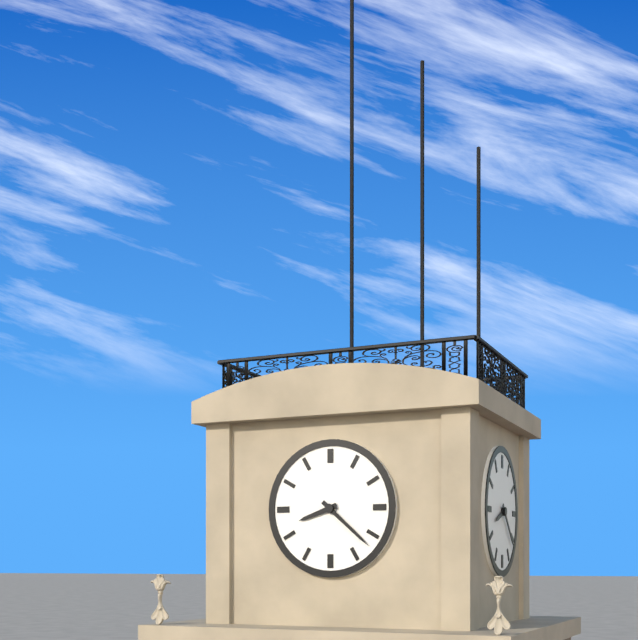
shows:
8,22
